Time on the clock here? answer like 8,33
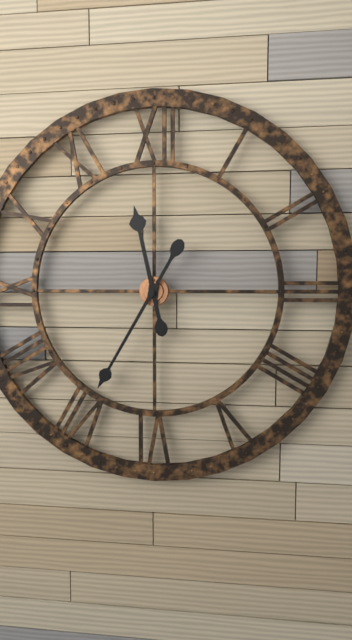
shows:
11,35
